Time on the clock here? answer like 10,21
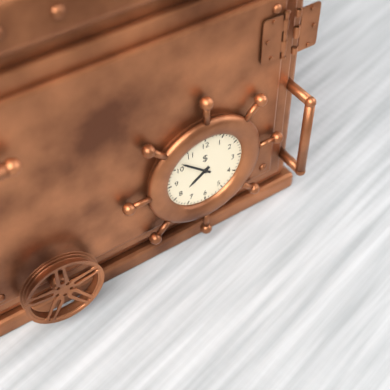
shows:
7,52
